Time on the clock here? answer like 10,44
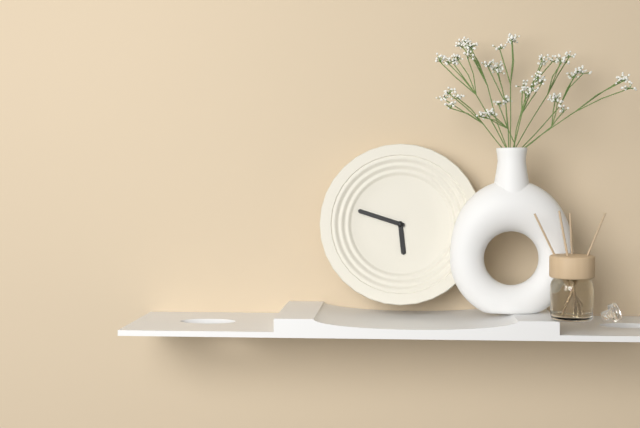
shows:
5,48
